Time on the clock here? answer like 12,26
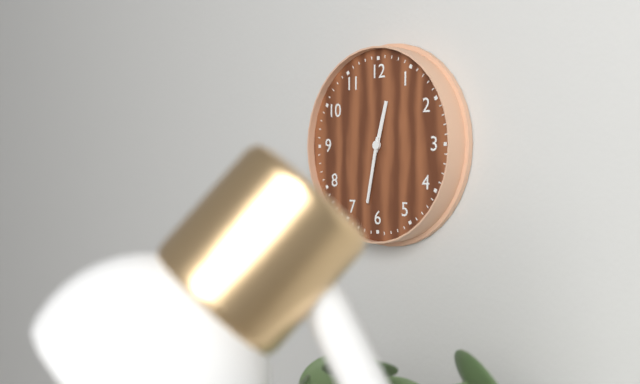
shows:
12,32
